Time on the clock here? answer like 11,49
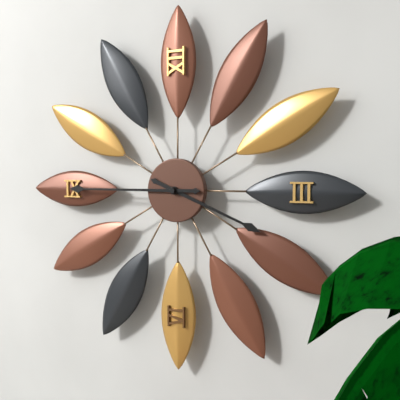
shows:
3,45
